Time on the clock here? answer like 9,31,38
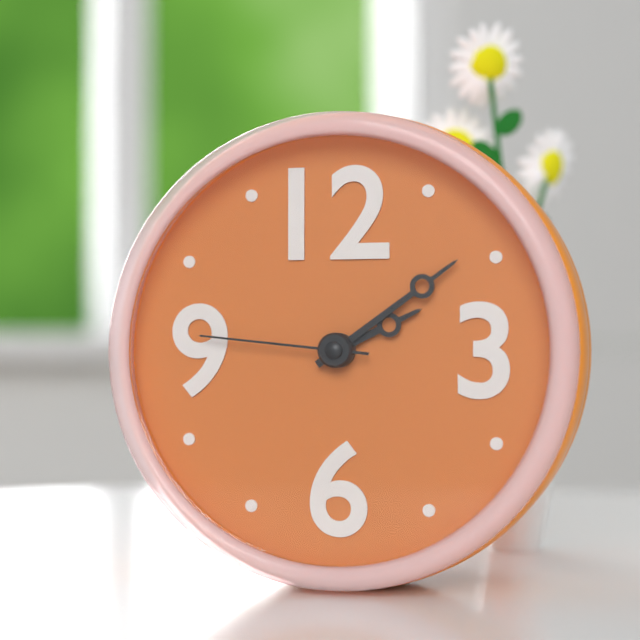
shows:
2,09,46
